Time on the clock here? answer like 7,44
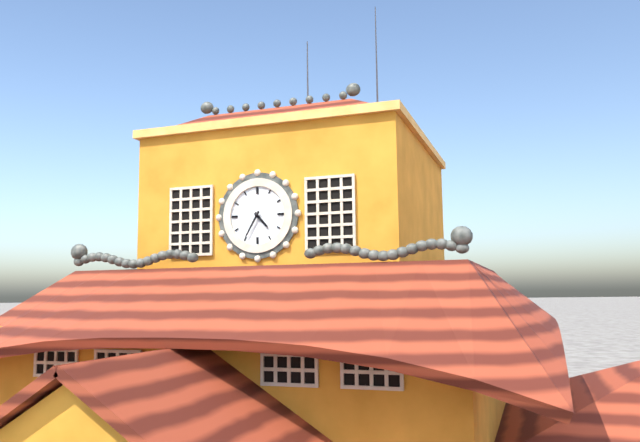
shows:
4,35
